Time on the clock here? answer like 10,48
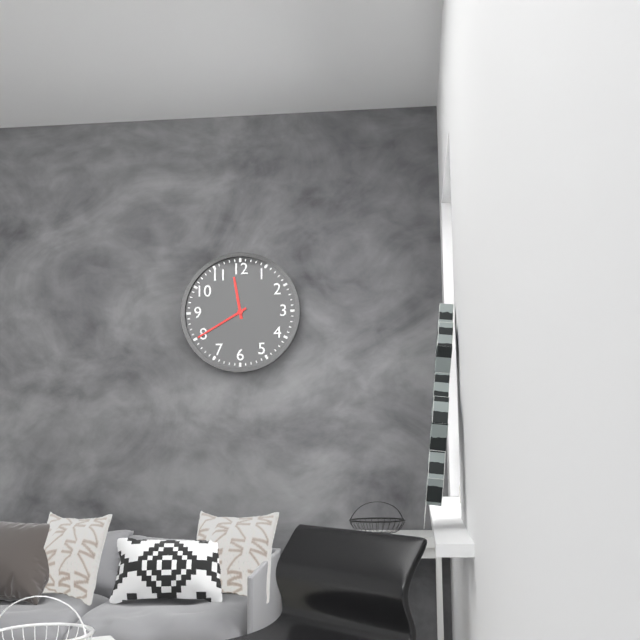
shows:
11,40
